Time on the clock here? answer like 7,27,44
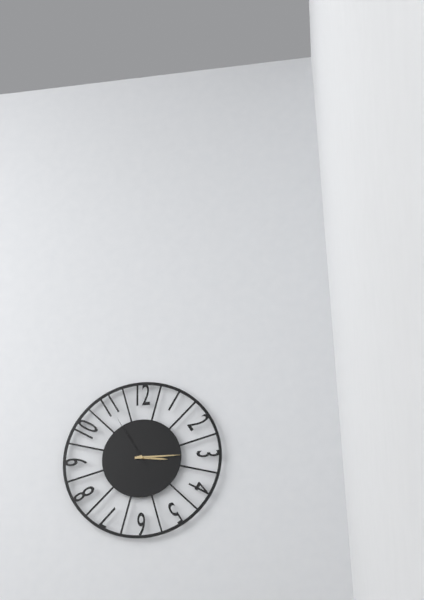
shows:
3,15,55
